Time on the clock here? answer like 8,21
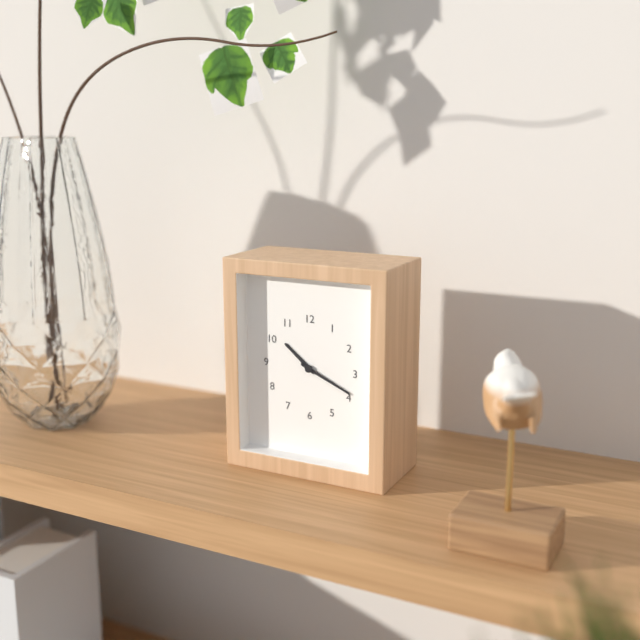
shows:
10,19
